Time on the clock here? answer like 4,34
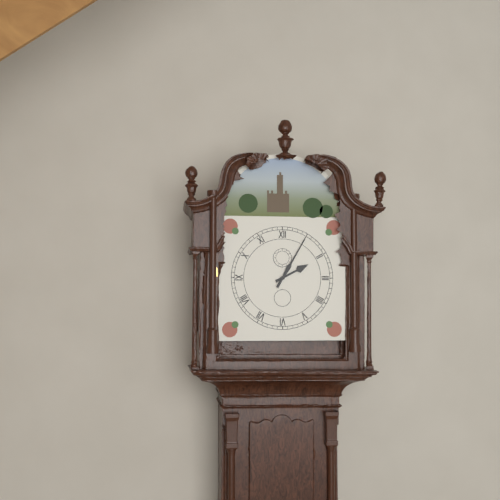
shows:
2,05
